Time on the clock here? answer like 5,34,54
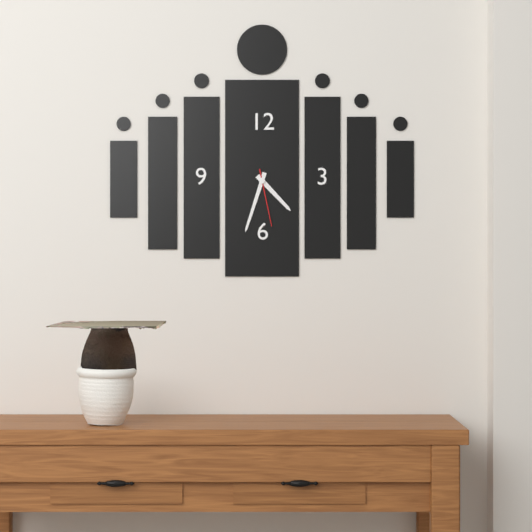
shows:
4,33,28
